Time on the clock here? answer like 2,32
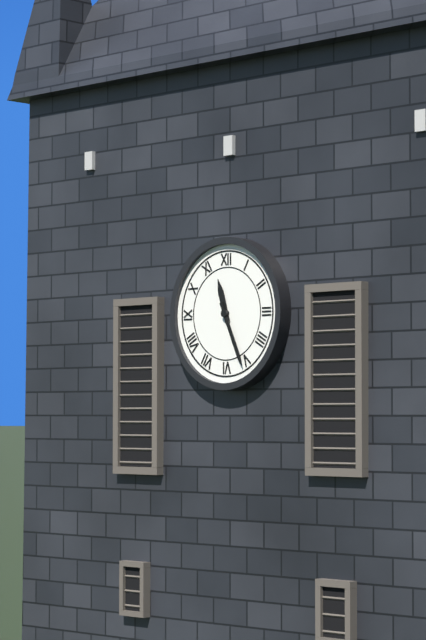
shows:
11,26
